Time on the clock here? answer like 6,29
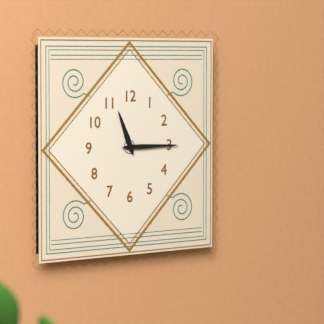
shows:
11,15
